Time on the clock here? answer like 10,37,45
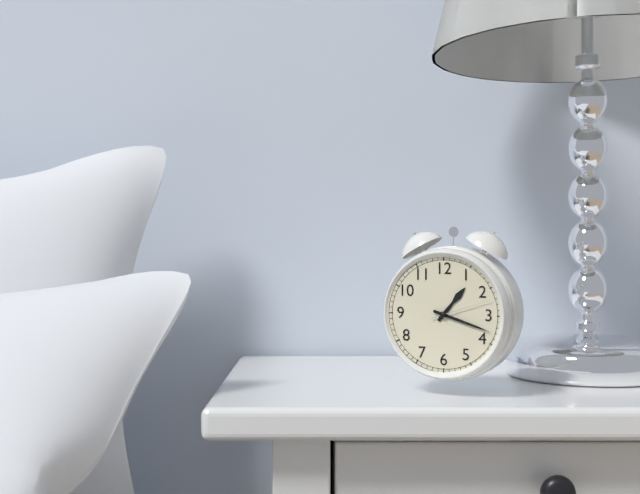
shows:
1,18,12
